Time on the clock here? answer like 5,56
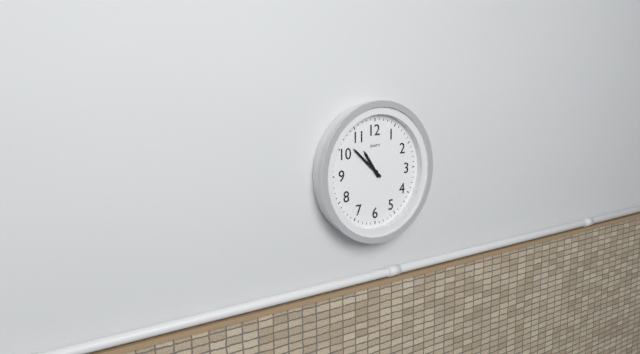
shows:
10,52
